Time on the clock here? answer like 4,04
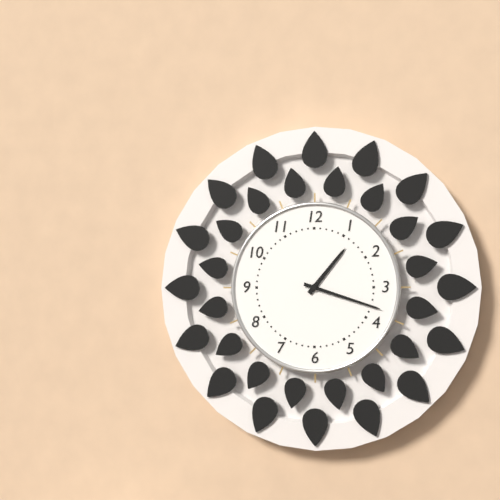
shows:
1,18
